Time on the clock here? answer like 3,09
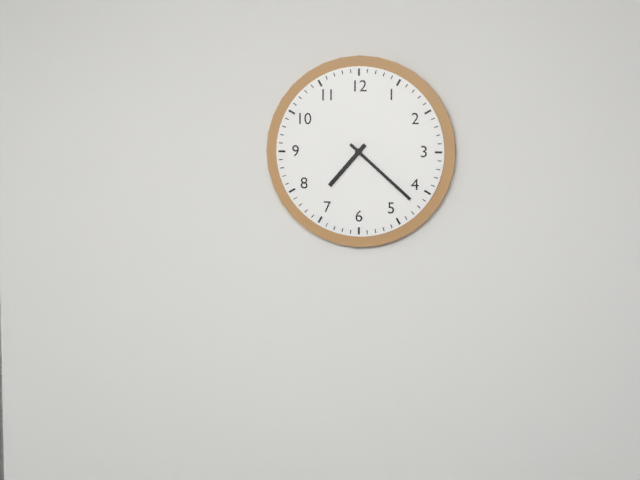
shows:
7,22
